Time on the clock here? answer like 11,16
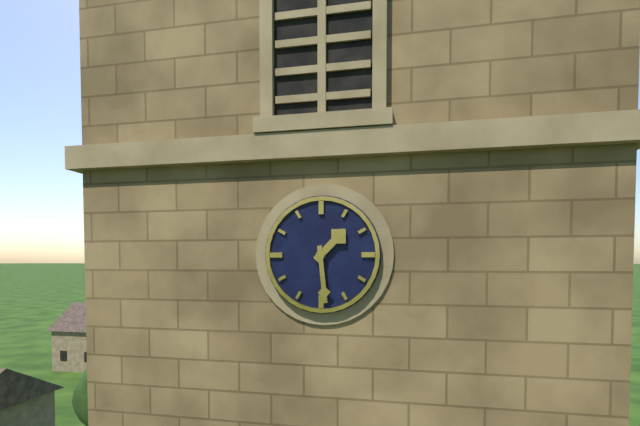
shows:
1,29
